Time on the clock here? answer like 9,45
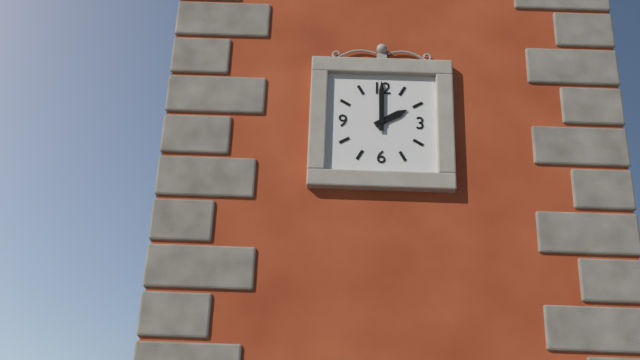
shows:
2,00
